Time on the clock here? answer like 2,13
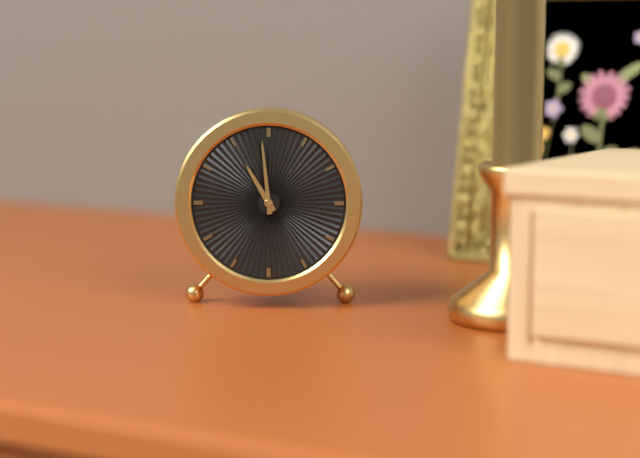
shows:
10,59
